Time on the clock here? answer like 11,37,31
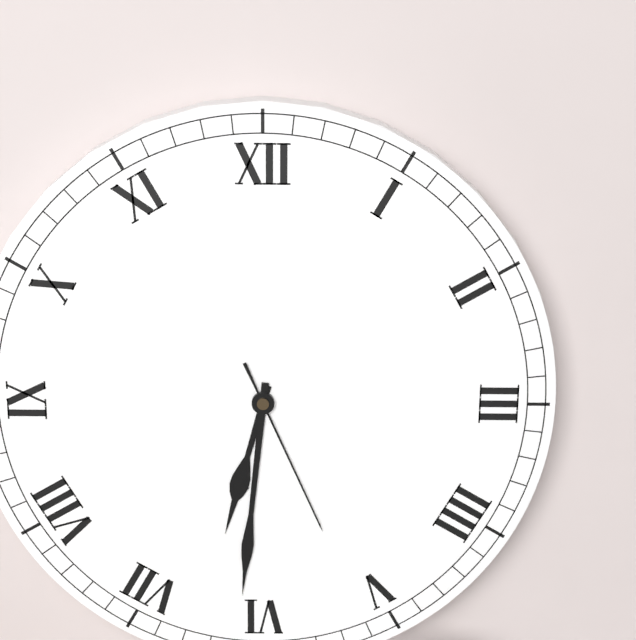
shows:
6,31,26
